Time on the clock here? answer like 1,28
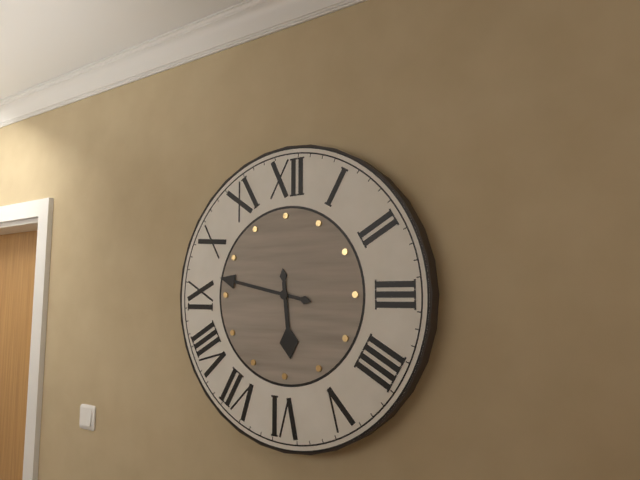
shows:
5,47
